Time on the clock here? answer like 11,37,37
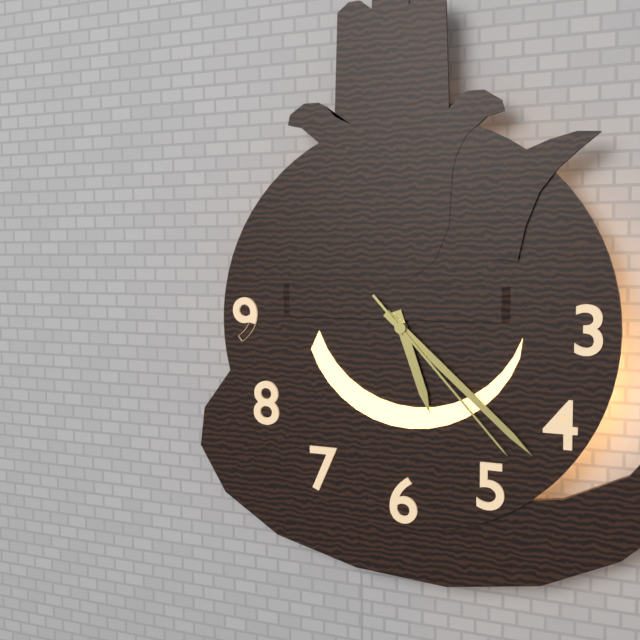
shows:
5,22,23
